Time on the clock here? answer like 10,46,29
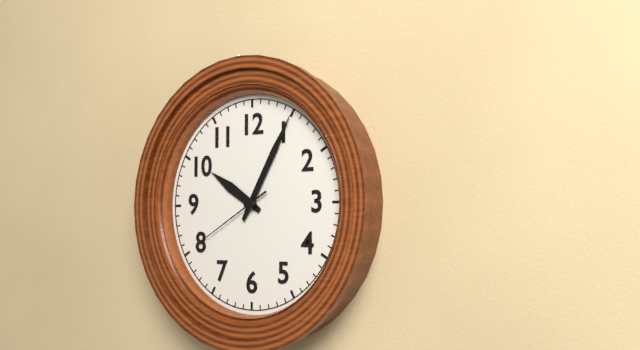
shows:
10,05,40
